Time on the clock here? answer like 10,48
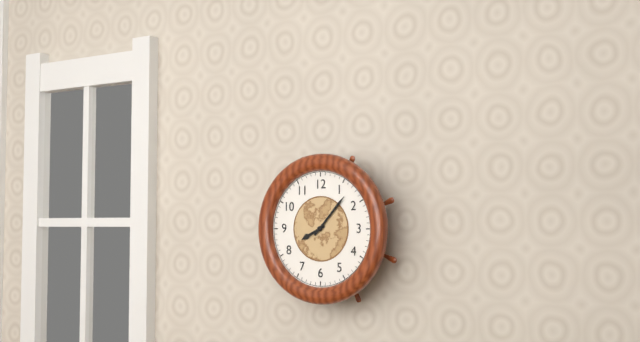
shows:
8,07
